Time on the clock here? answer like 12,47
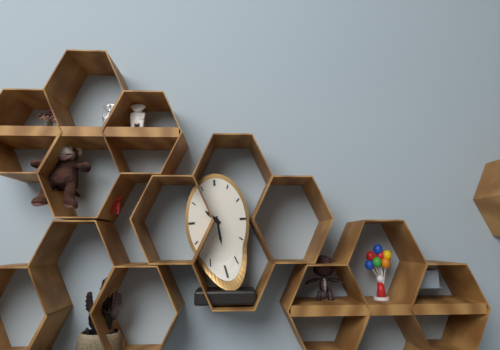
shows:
10,29
